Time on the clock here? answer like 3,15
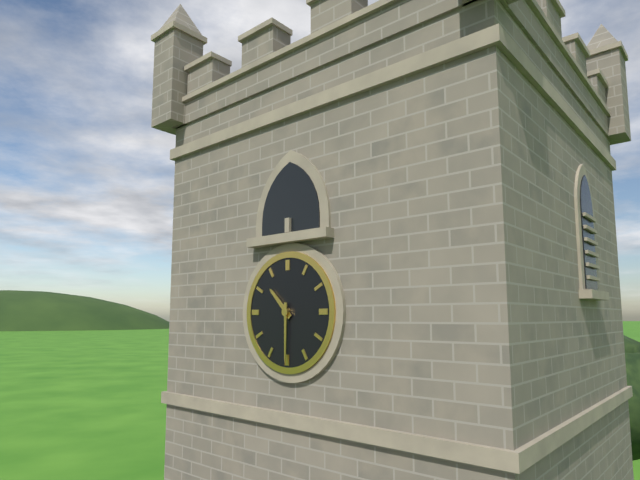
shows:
10,30
